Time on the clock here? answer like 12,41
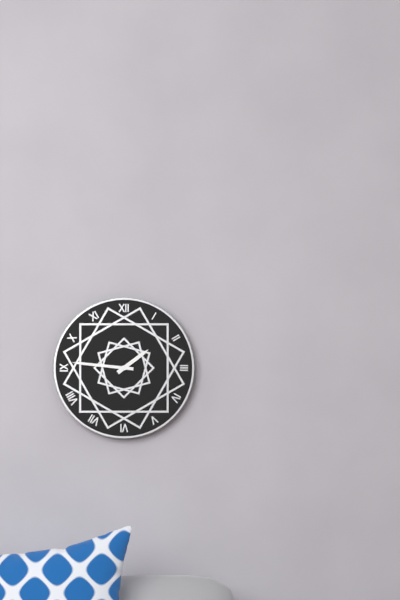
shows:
1,46
